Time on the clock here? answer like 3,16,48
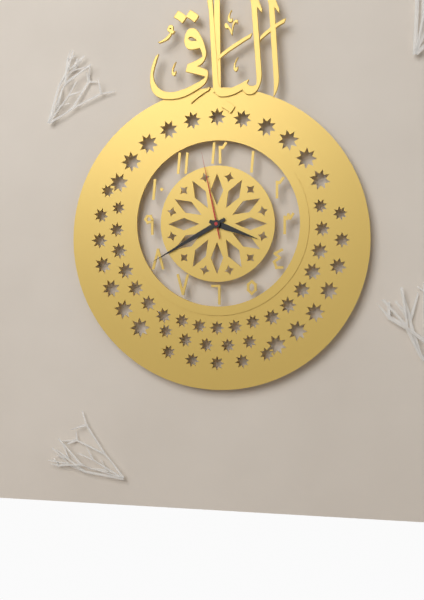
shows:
3,40,58
